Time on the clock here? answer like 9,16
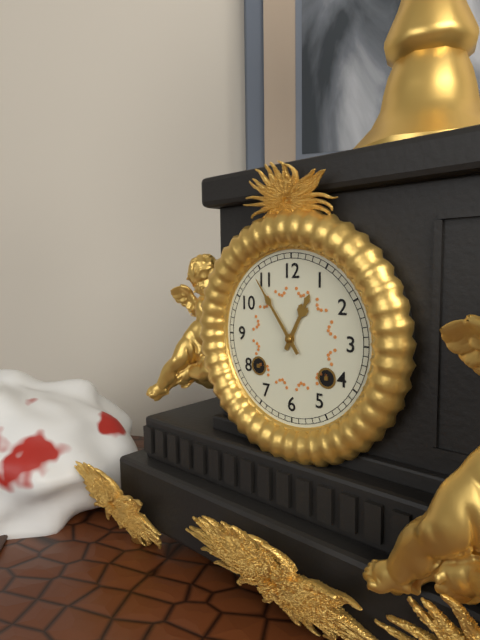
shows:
12,54
